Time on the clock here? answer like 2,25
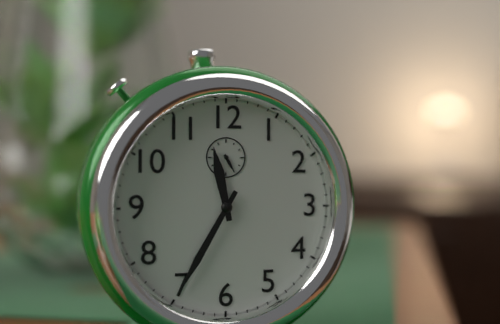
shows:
11,35
